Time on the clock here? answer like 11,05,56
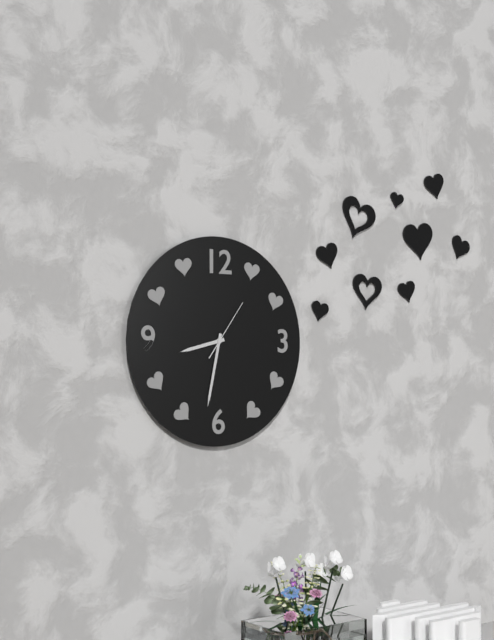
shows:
8,32,06
